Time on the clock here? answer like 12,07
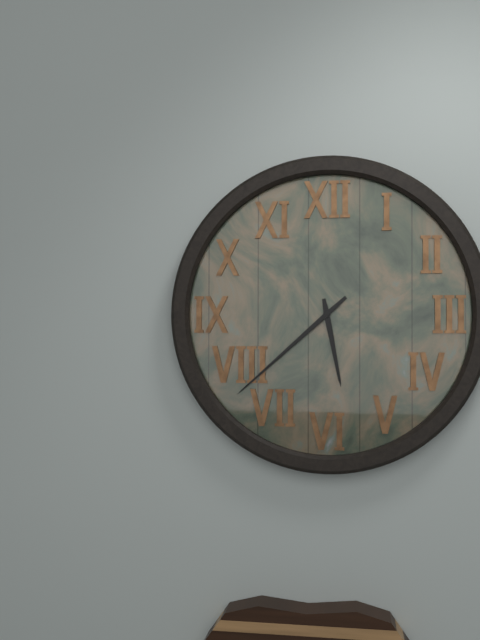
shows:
5,38
